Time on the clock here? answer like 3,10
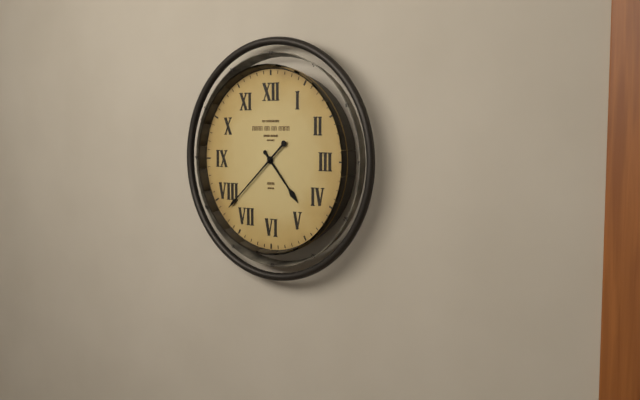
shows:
4,38
